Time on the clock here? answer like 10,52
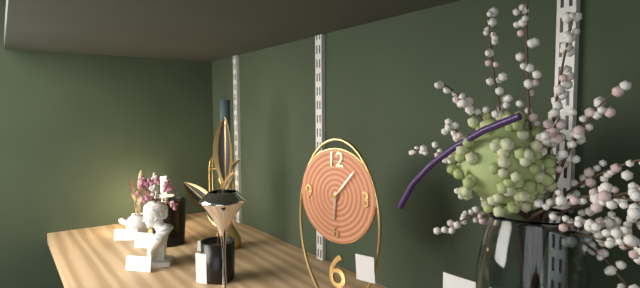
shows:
6,07
